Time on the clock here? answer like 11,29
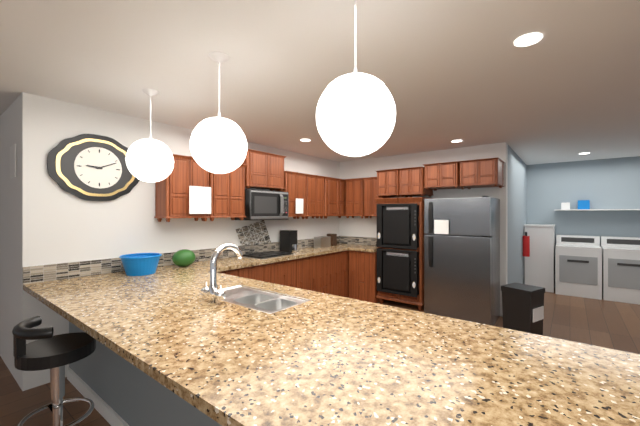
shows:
9,11
